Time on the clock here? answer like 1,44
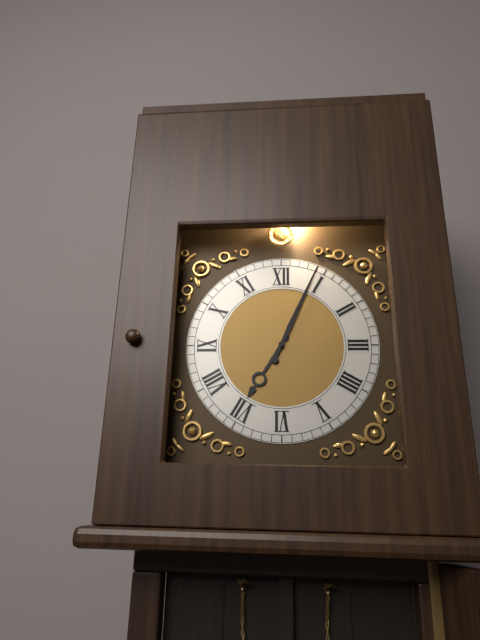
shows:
7,04
